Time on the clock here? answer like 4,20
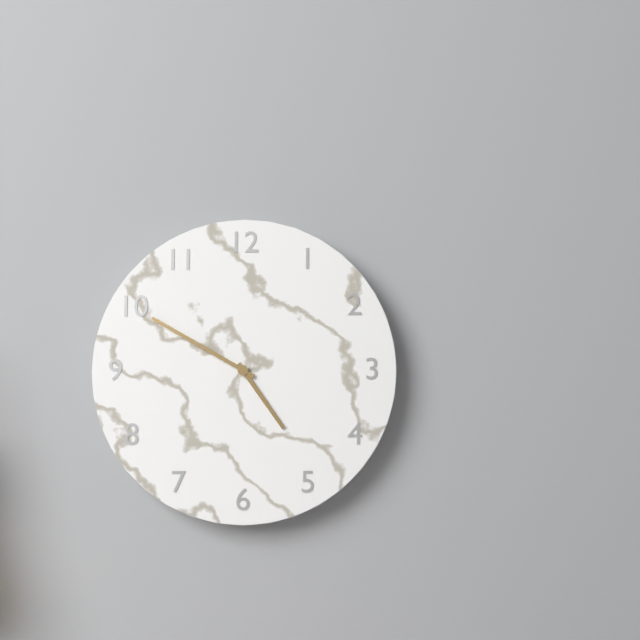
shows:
4,50
